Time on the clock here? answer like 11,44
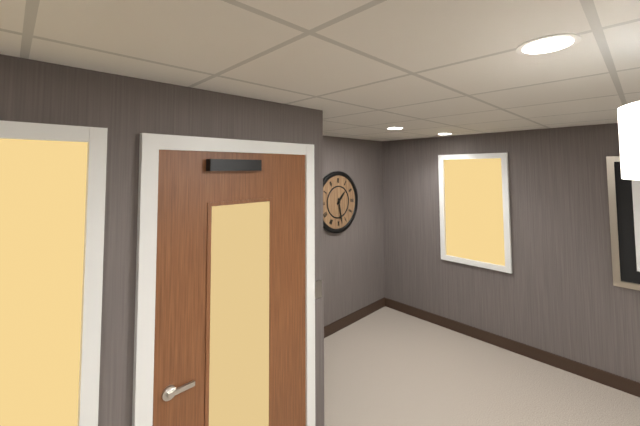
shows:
1,28
